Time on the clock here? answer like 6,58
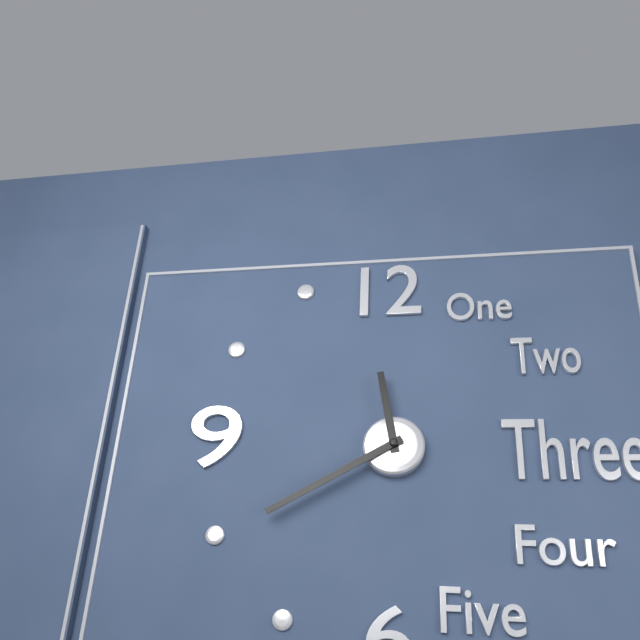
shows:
11,40
